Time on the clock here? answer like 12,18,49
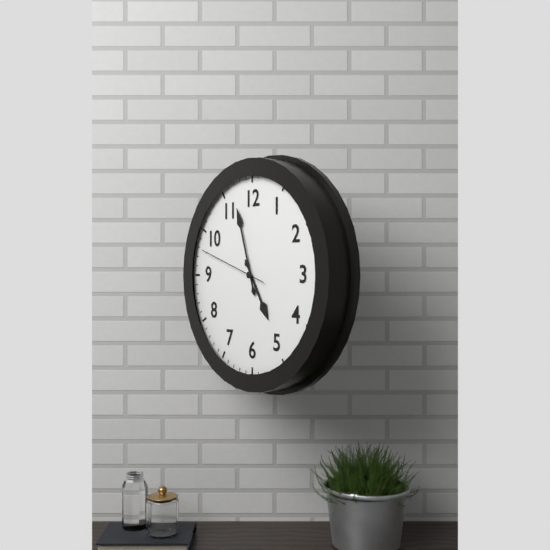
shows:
4,57,48
